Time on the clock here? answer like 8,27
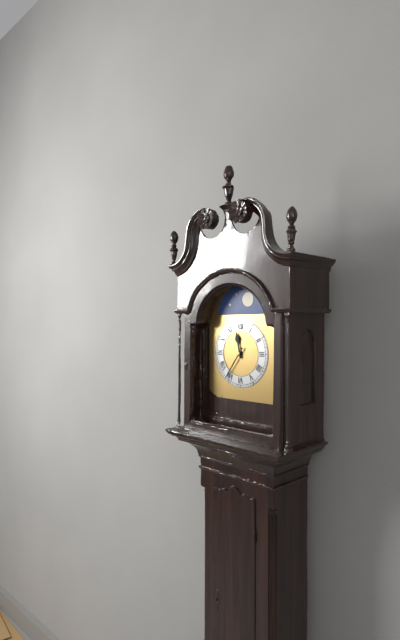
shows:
11,36
